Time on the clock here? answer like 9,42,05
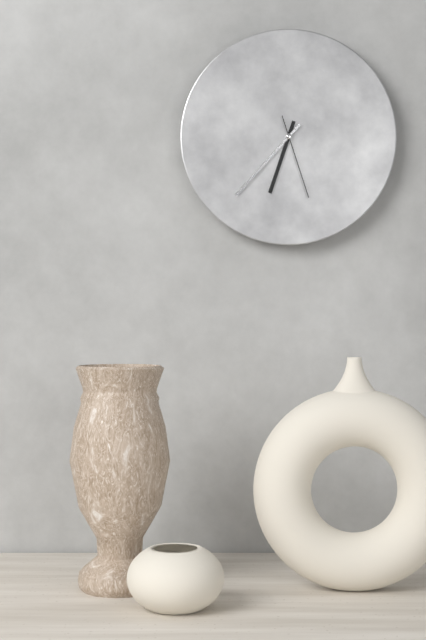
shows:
6,37,27
